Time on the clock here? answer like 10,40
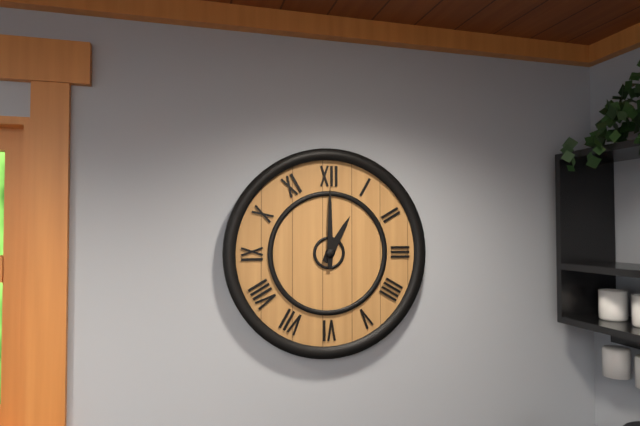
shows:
1,00
